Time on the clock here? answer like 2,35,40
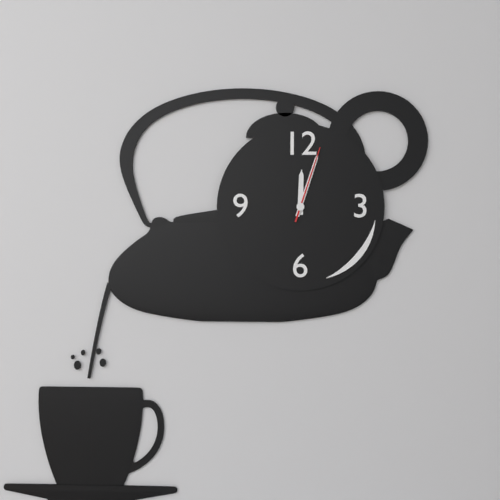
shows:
12,03,03
